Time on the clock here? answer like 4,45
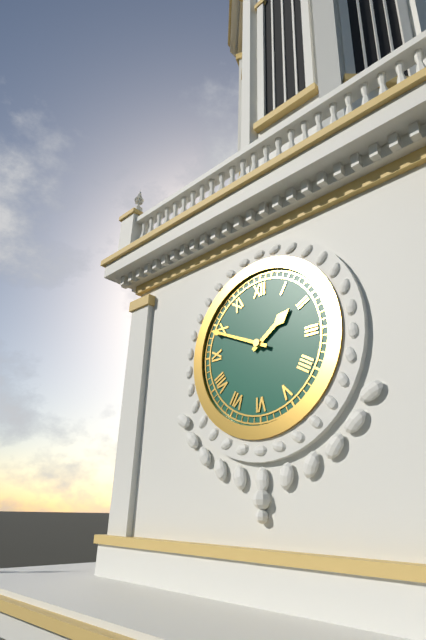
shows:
1,49
